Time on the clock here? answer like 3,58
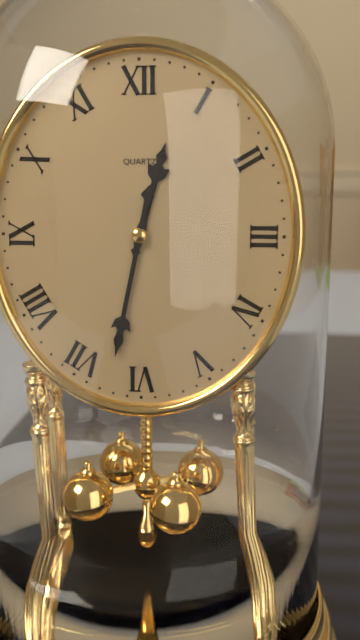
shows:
12,32
